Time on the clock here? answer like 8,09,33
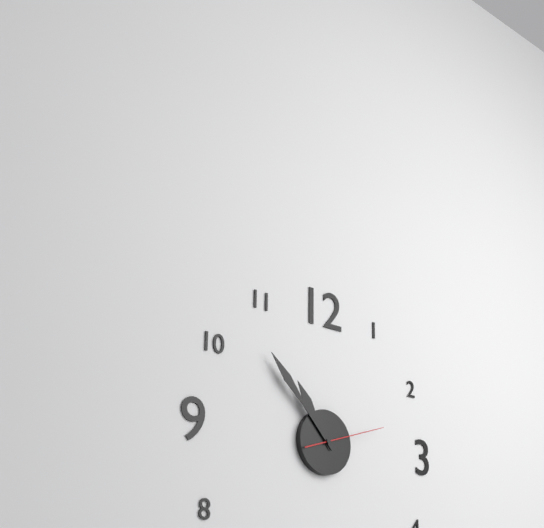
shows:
10,53,12
